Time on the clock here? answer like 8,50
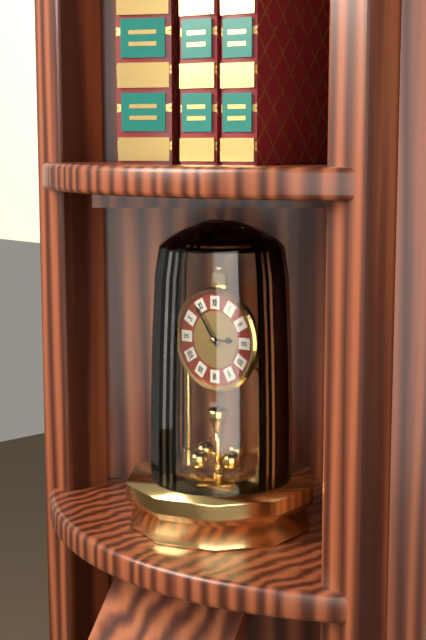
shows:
2,54
